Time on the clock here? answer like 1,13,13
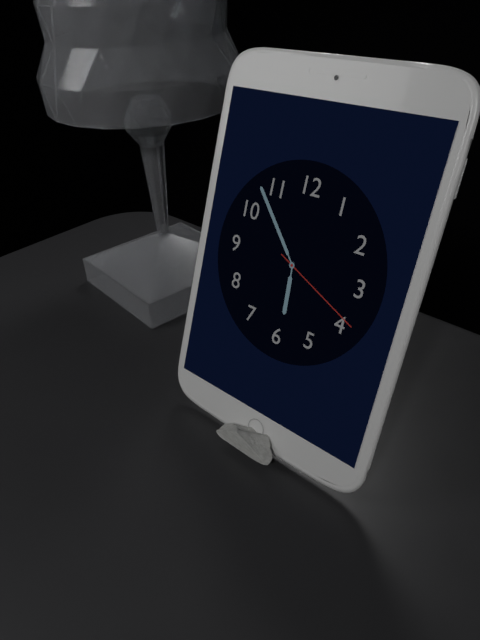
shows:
5,53,19
